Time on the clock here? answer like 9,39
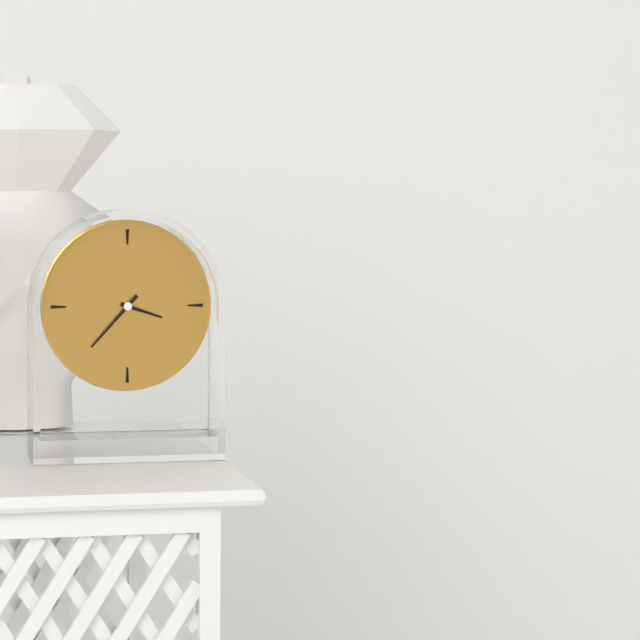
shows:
3,37
